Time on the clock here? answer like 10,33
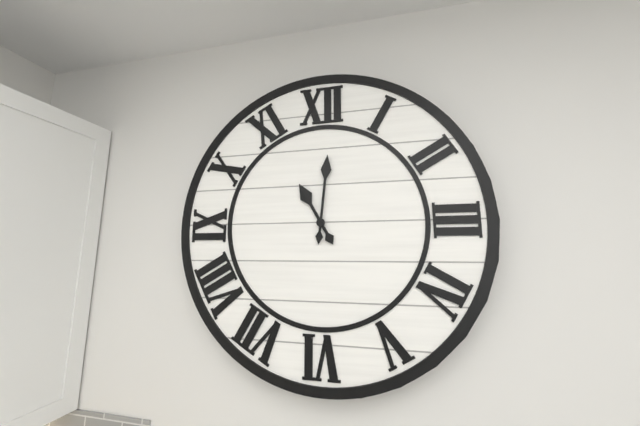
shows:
11,01
